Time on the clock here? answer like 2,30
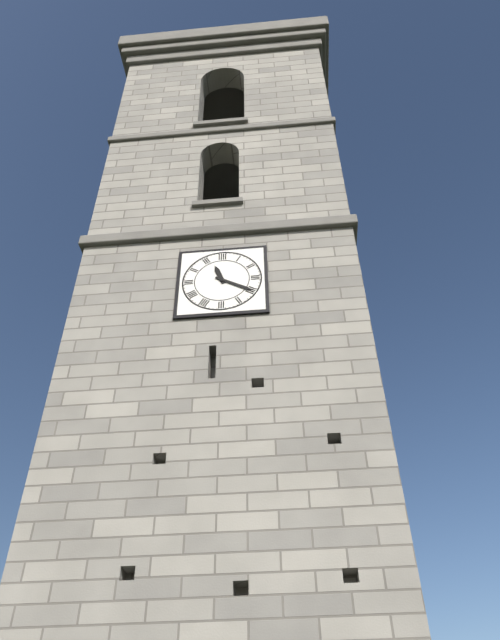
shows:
11,20
